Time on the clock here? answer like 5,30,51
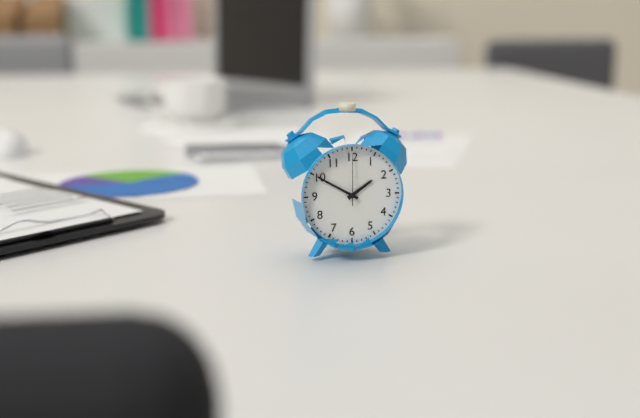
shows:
1,50,00
